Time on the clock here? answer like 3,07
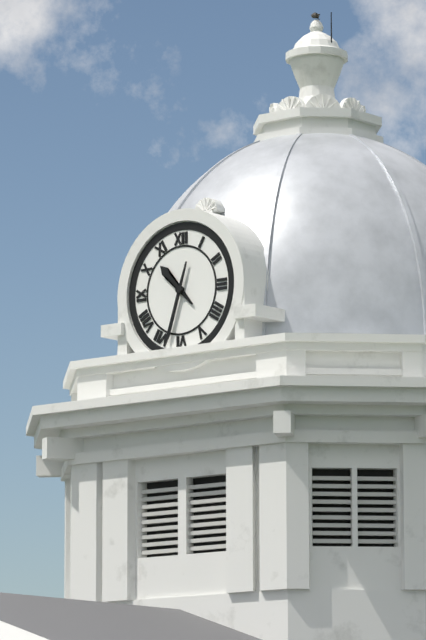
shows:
10,33
